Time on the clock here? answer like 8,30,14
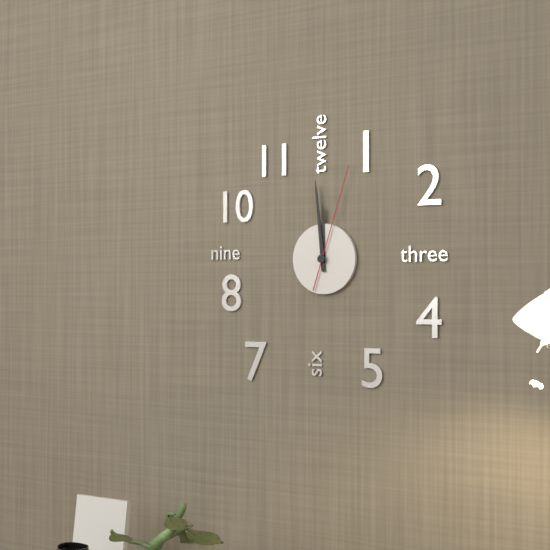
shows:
11,59,03
